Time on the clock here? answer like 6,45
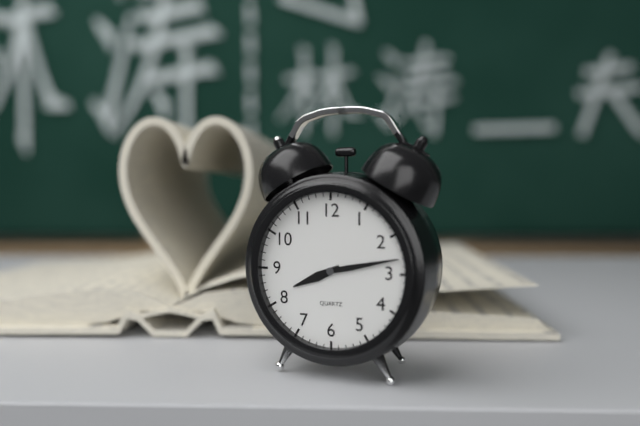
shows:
8,13
